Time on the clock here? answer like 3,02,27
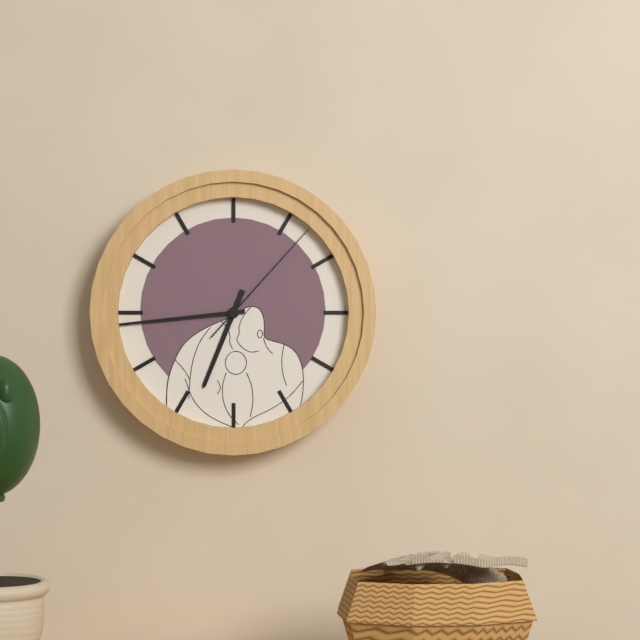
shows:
6,44,07
